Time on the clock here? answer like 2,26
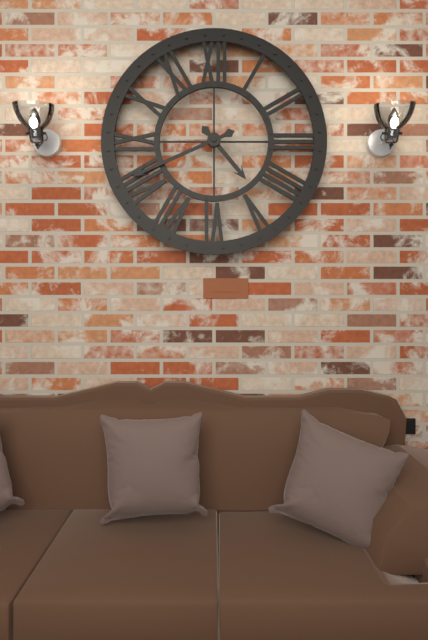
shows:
4,41
